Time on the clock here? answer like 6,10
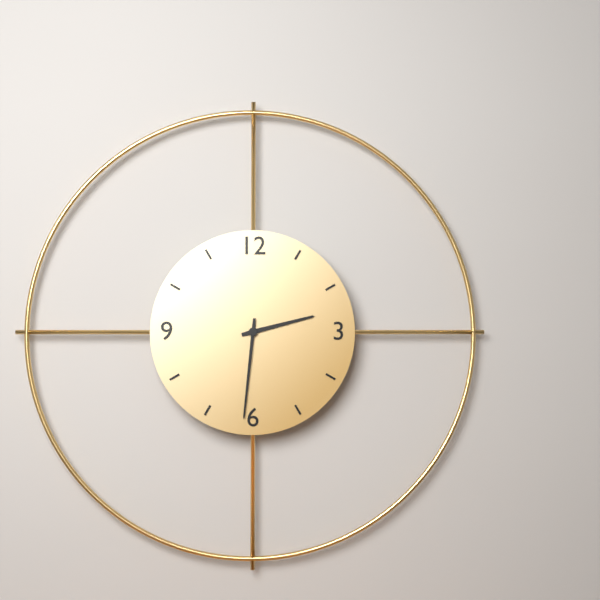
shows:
2,31
